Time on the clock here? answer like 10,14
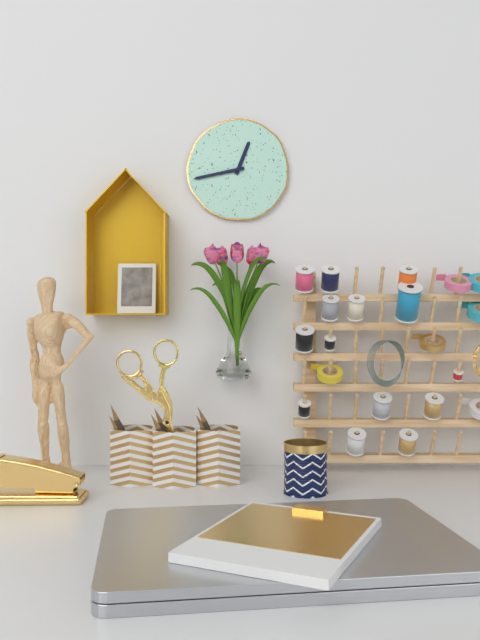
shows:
12,43
